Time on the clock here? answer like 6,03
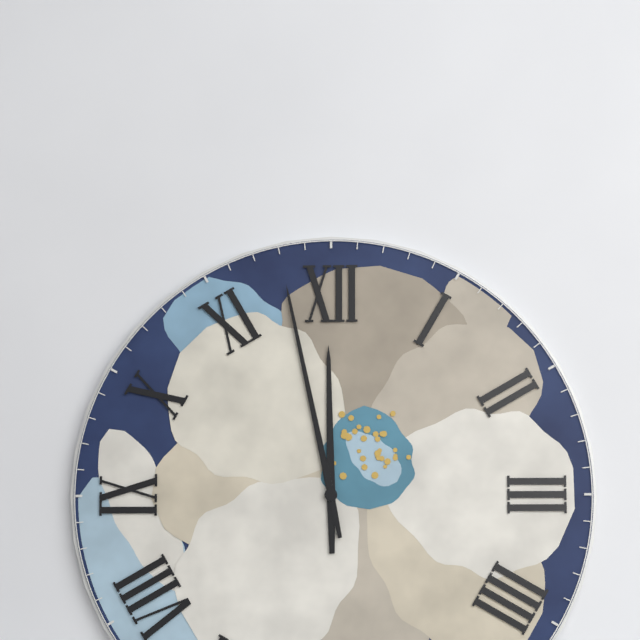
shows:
11,58
